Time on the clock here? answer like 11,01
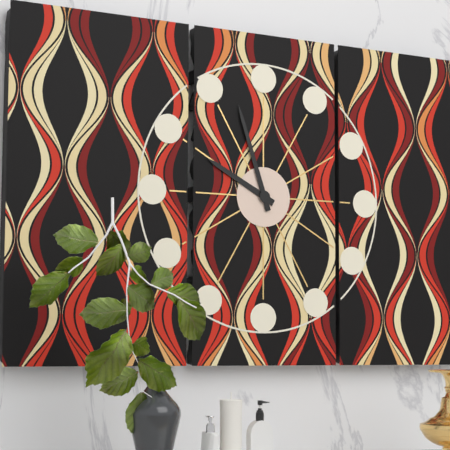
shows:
9,57
